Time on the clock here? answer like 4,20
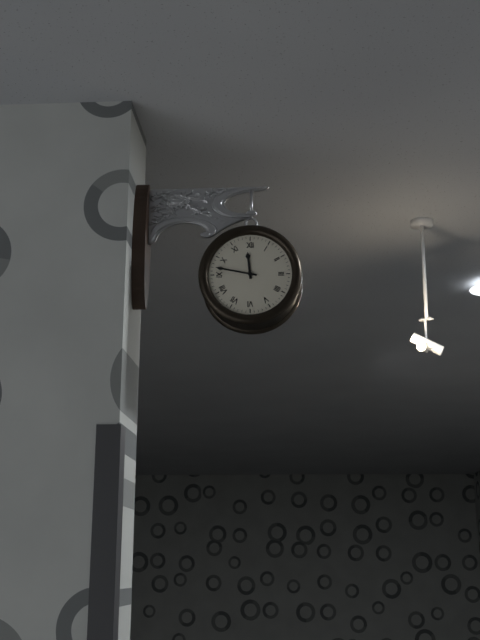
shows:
11,47
